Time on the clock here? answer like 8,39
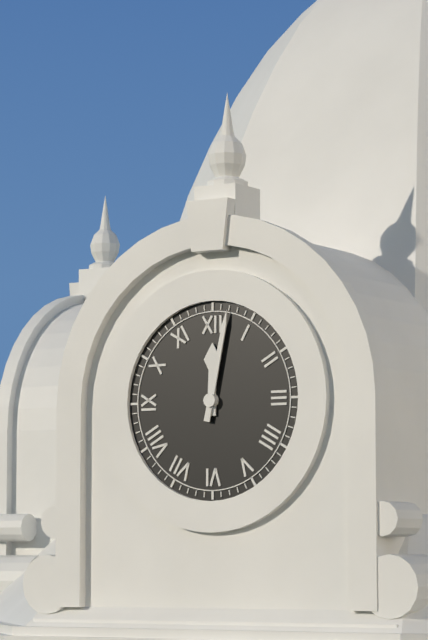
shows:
12,02
